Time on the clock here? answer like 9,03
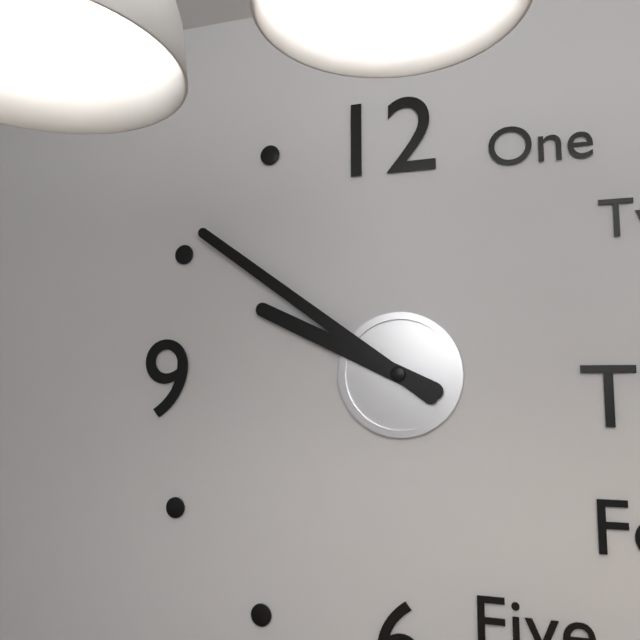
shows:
9,51
